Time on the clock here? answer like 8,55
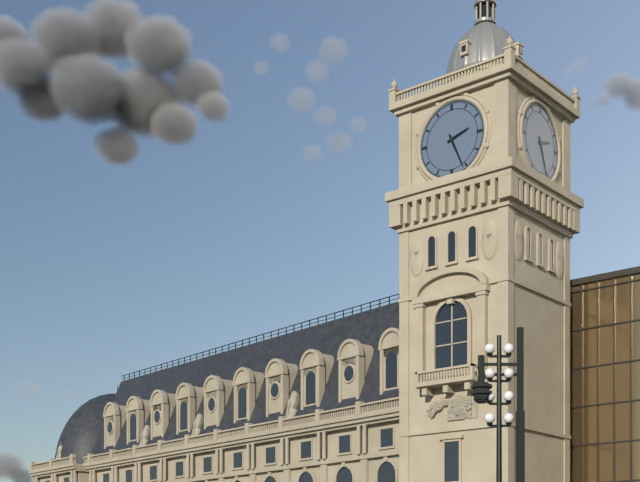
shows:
2,26
